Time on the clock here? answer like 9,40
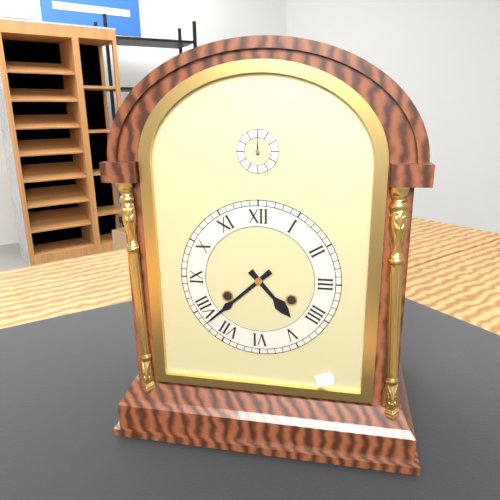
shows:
4,38
